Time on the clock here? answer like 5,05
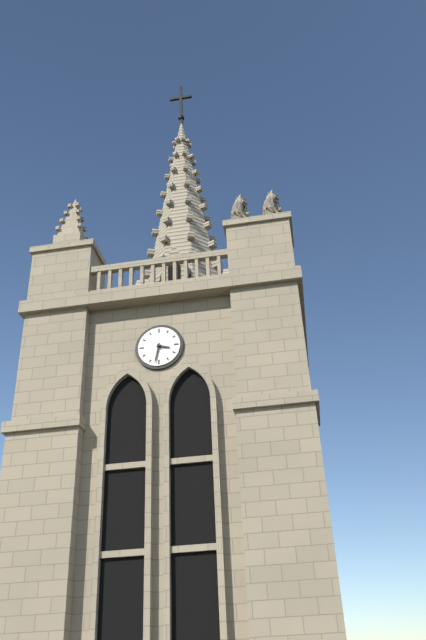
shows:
3,32
